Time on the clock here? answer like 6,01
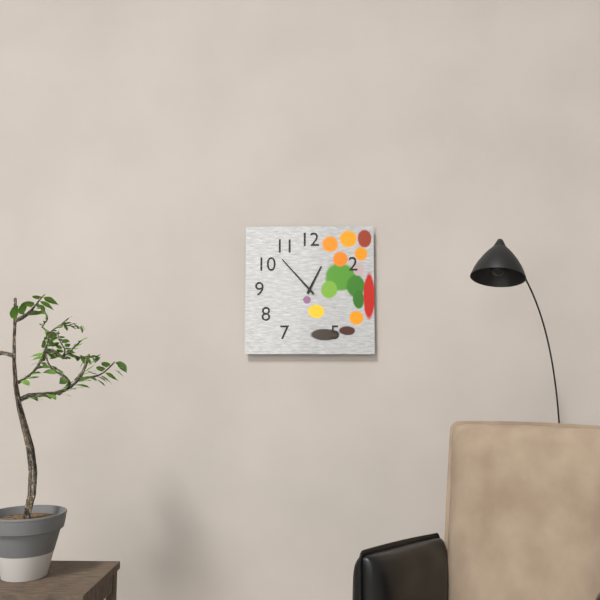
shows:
12,53
